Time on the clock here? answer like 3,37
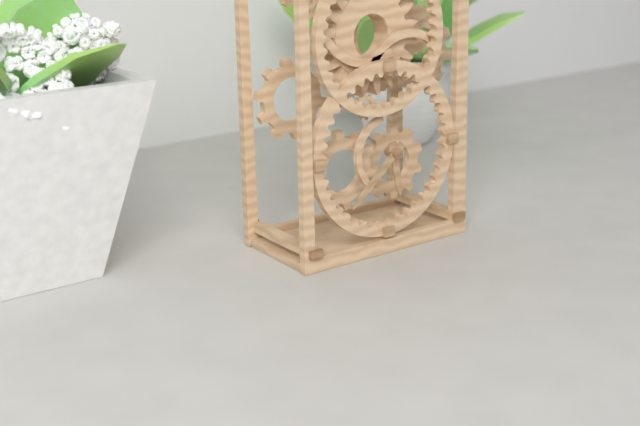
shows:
5,38
